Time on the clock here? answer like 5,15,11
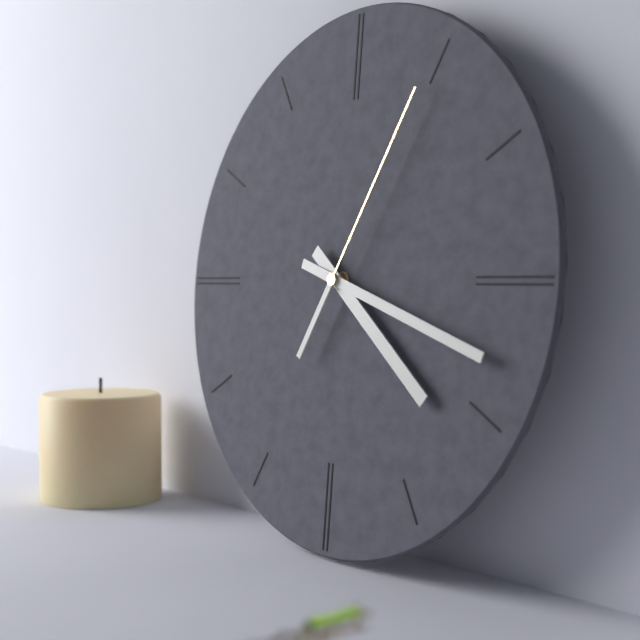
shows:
4,18,05
